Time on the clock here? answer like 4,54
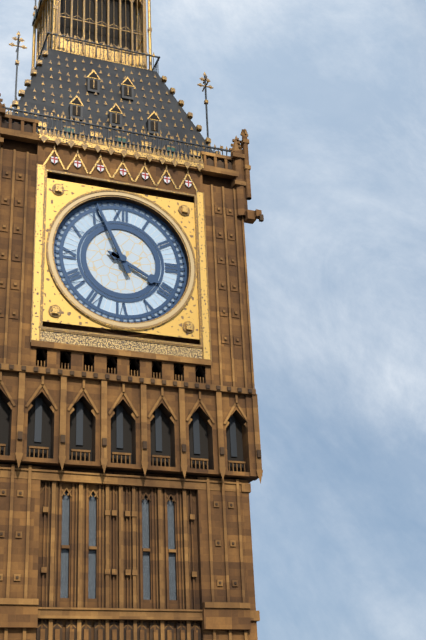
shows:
3,56
